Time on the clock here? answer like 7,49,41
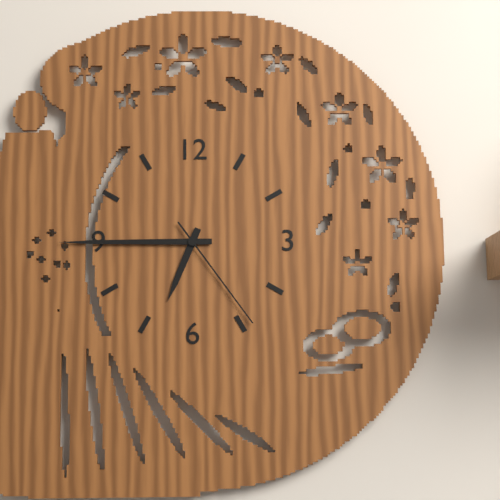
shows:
6,45,24
